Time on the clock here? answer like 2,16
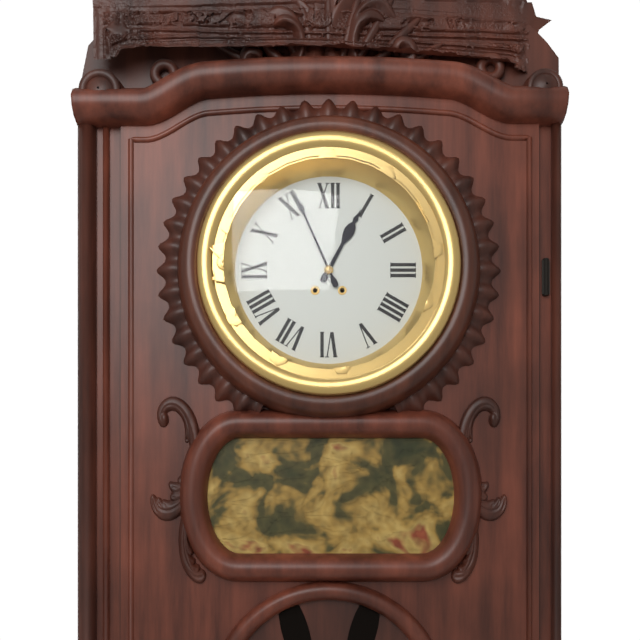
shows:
12,56
